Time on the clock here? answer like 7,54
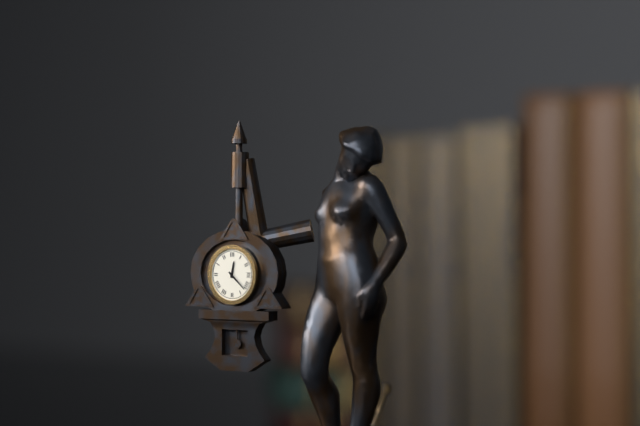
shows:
12,22
